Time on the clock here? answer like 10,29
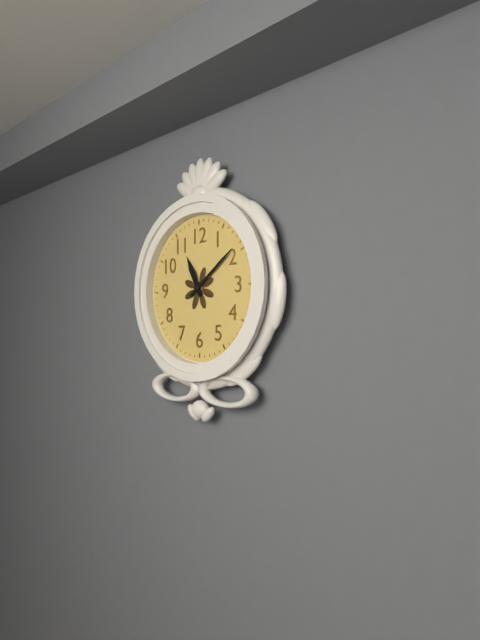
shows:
11,09
